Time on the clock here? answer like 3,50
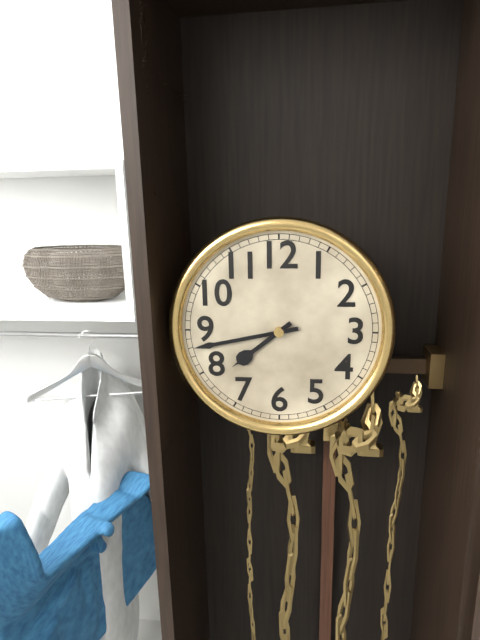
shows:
7,43
